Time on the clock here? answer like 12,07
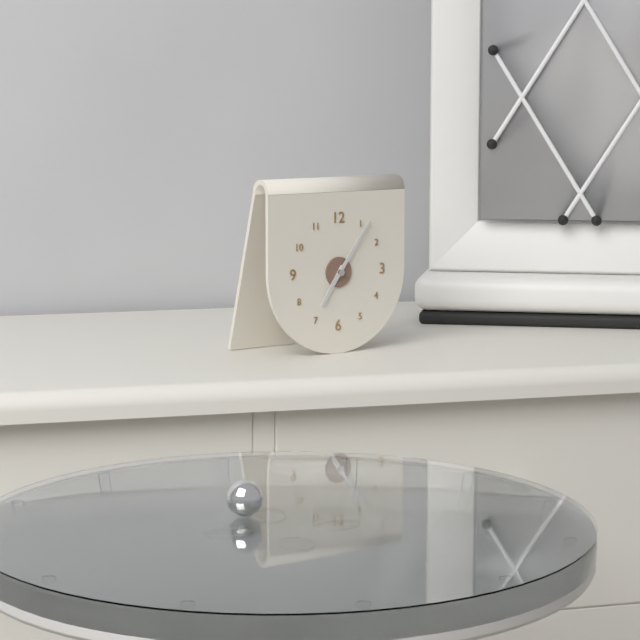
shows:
7,06
